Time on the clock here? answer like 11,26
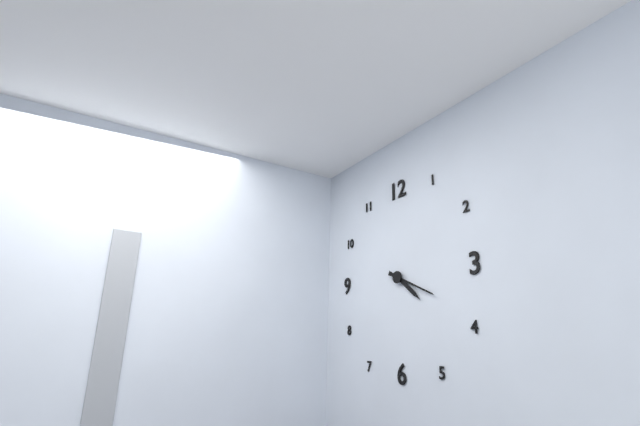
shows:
4,19
